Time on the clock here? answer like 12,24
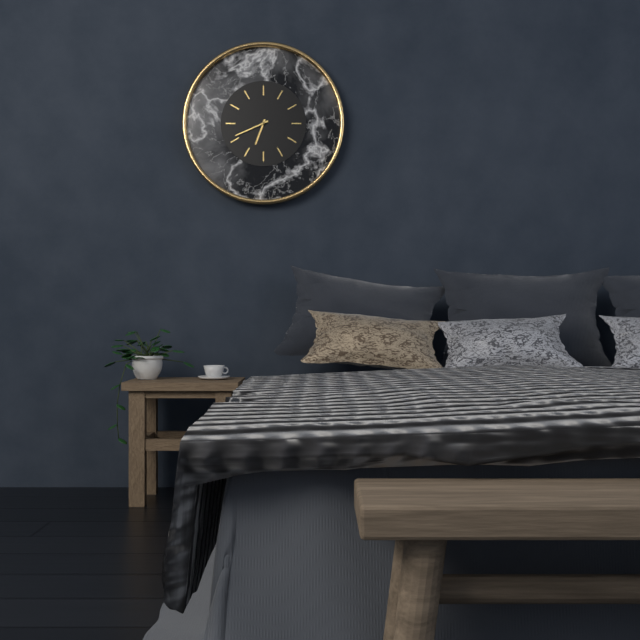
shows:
6,41
